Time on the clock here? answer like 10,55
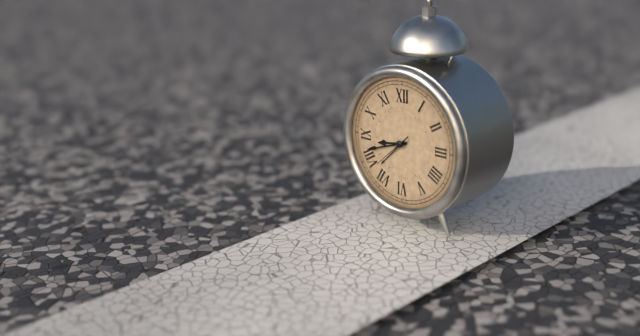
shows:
8,42
